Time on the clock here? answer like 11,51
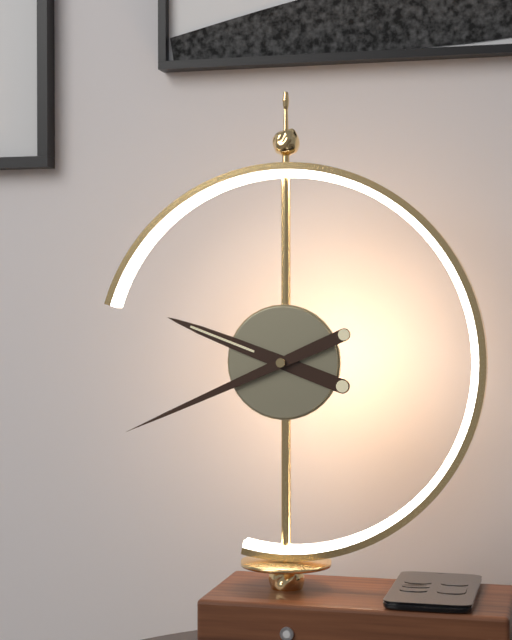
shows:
9,41
